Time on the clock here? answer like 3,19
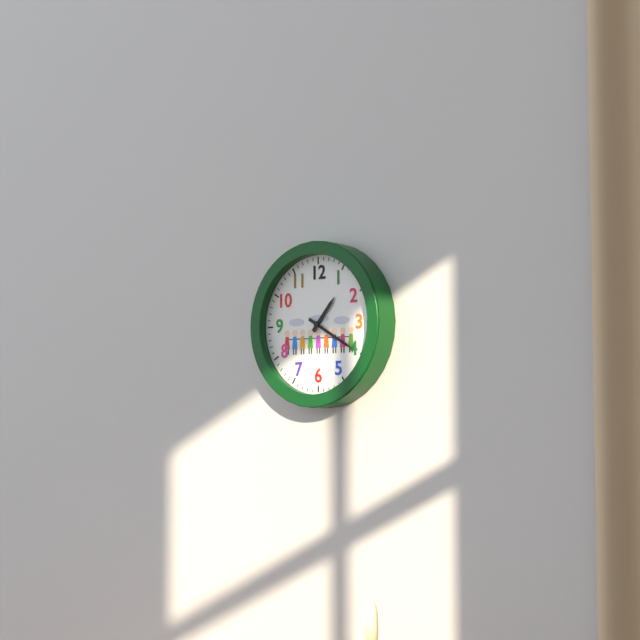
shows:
1,20
